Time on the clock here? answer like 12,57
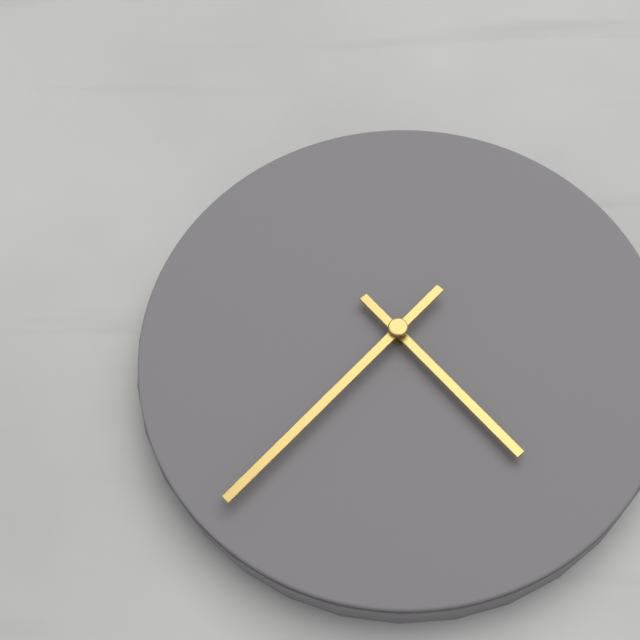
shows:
4,37
